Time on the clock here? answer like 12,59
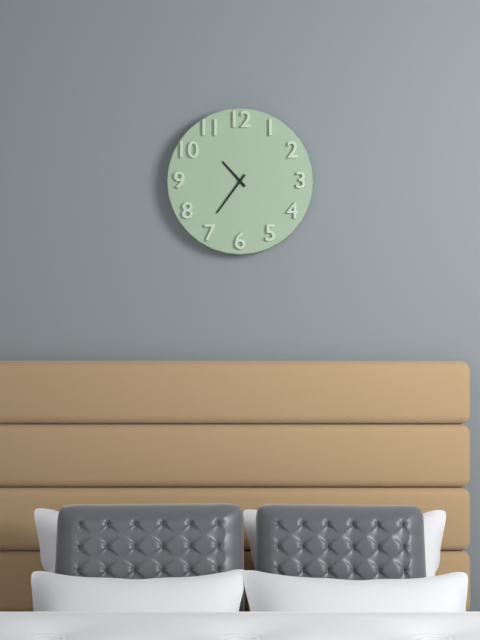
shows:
10,36
